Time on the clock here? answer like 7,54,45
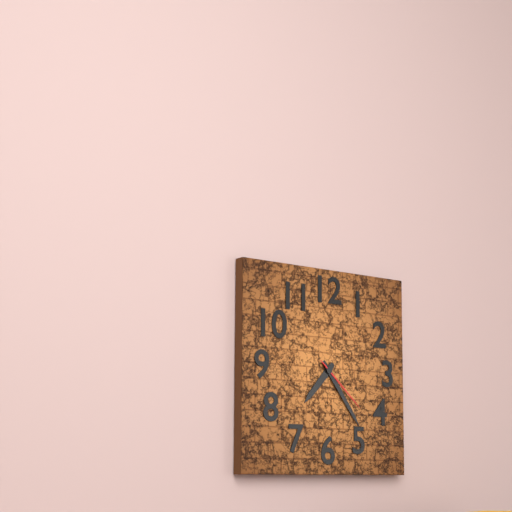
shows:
7,24,22
